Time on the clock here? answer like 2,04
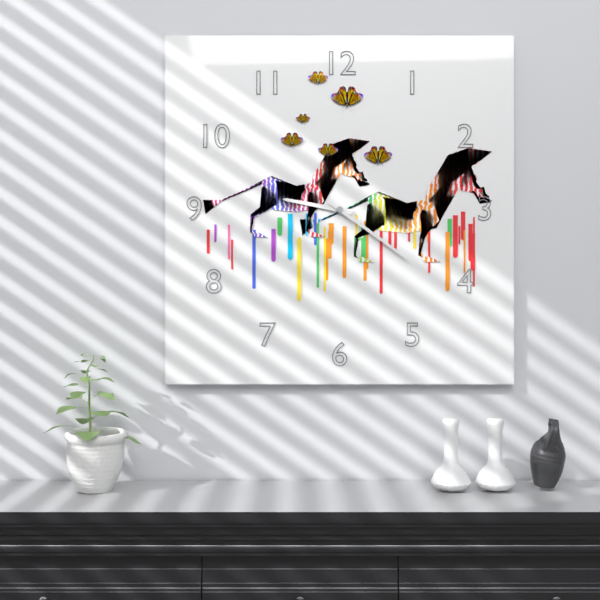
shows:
9,21
